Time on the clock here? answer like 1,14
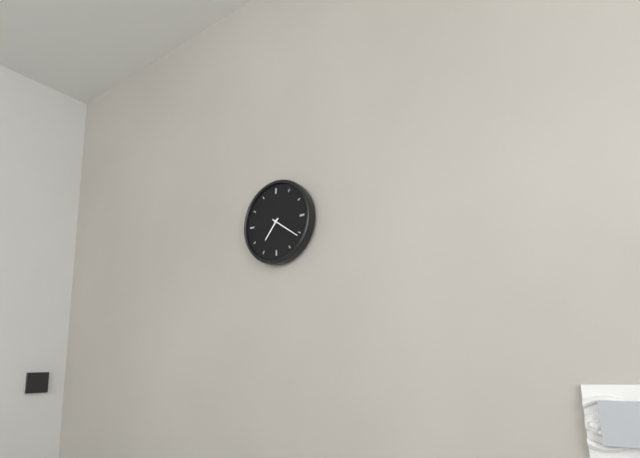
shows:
7,21
